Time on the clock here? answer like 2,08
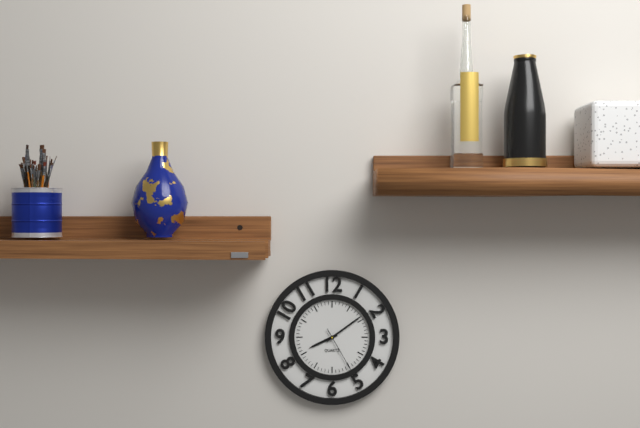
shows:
8,09
